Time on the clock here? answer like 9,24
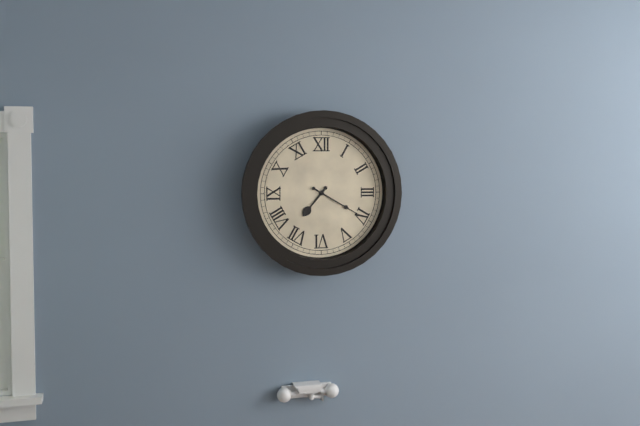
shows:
7,20
